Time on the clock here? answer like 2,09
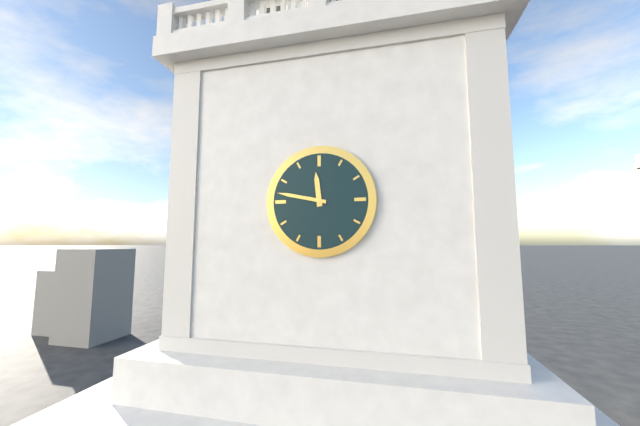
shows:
11,47
